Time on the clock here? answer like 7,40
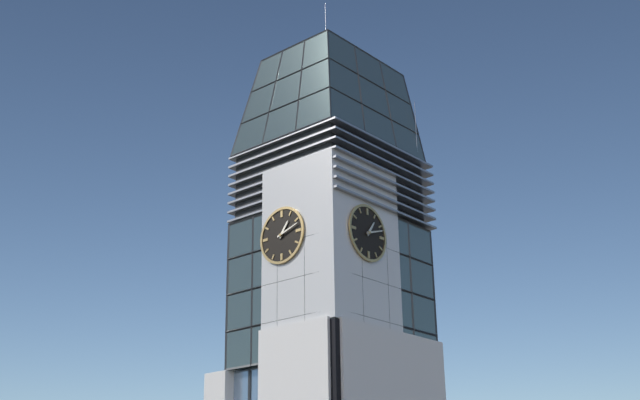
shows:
1,12
